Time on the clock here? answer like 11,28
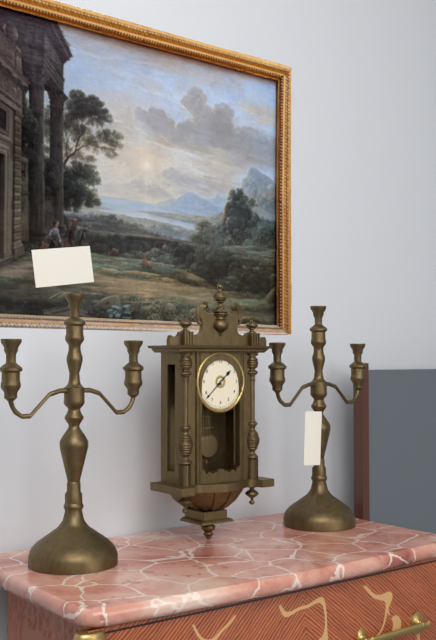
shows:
1,38
